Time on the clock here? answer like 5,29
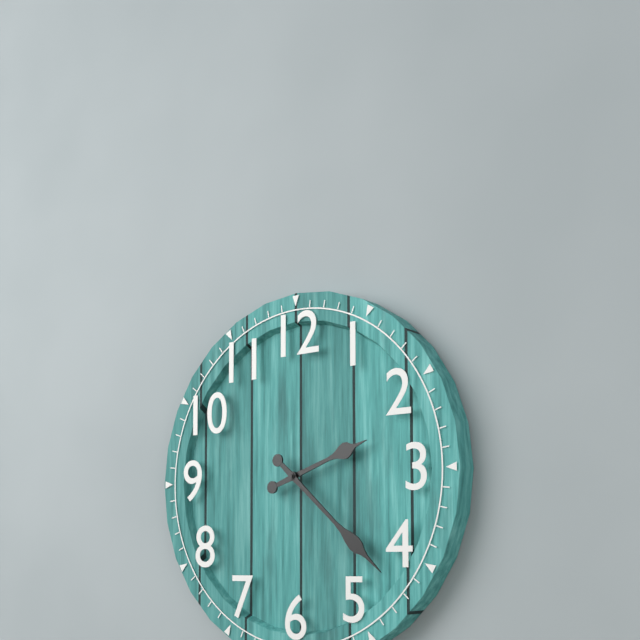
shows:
2,22
